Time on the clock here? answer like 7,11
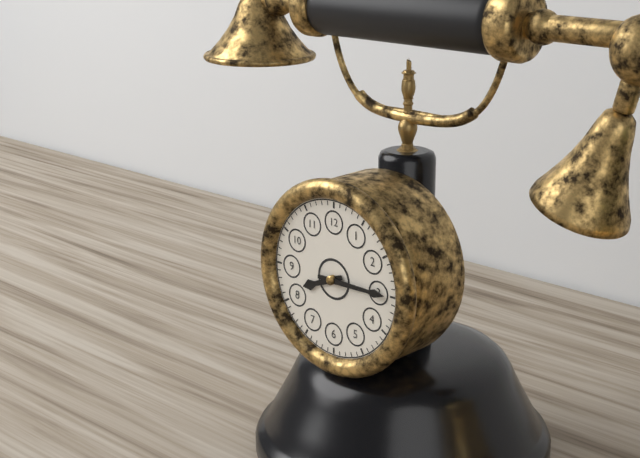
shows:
8,15
